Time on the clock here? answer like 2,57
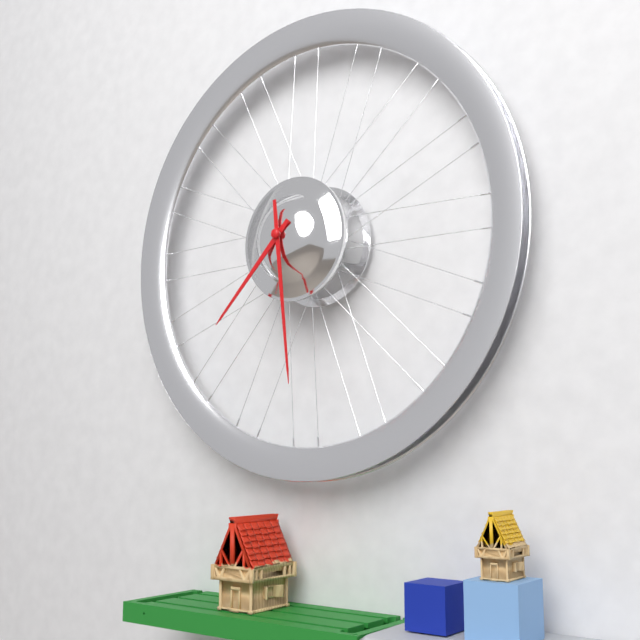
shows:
7,29
